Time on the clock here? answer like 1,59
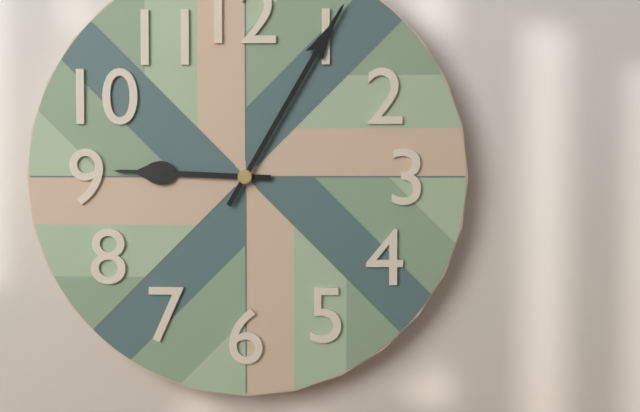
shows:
9,05
